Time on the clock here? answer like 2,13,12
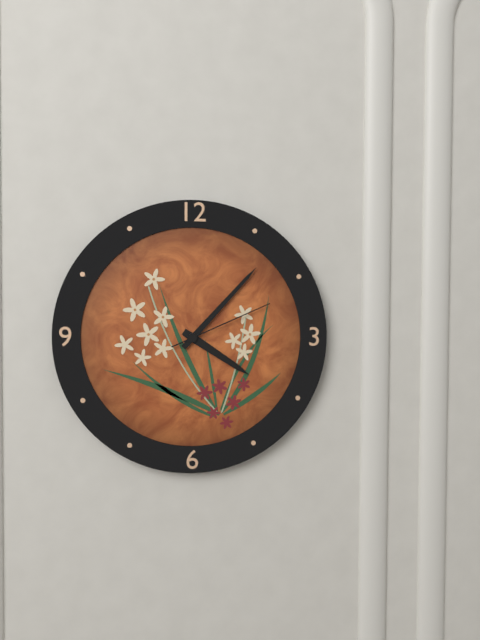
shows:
4,07,11
